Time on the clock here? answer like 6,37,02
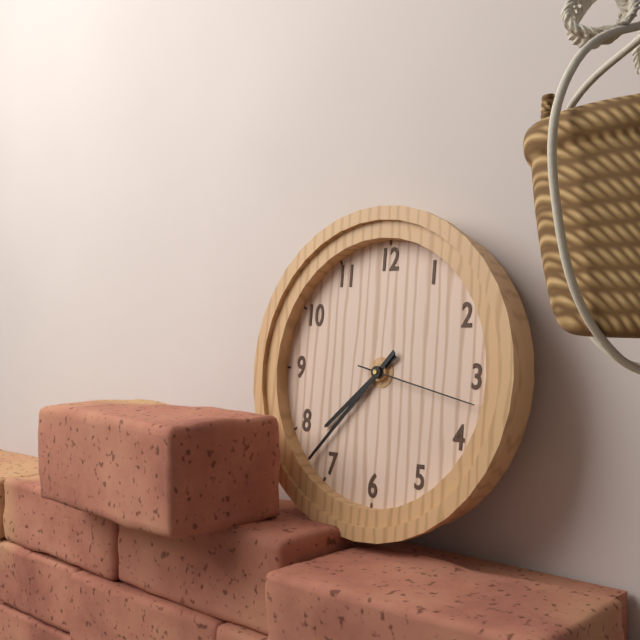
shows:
7,37,17
